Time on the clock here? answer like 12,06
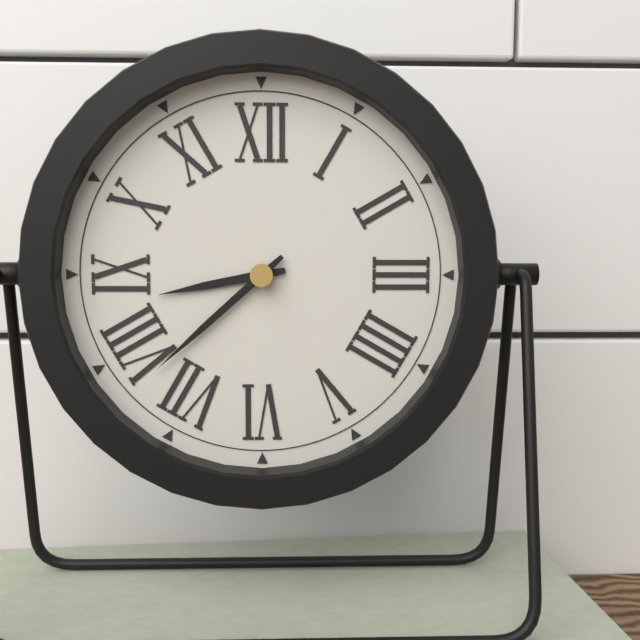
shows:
8,38
